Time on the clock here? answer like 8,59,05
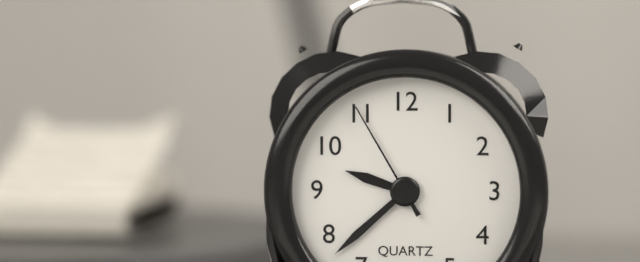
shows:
9,38,55
